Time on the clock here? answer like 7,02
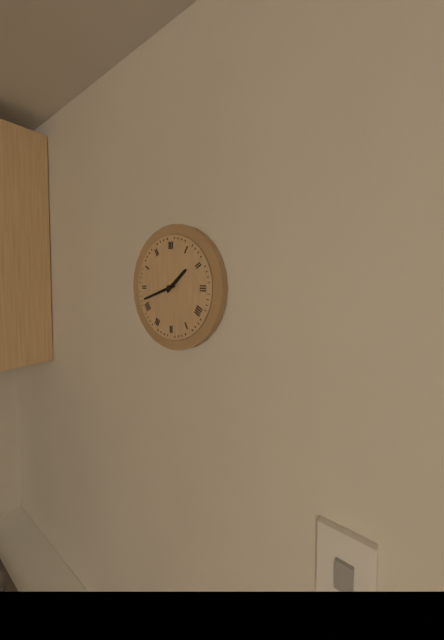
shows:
1,42
